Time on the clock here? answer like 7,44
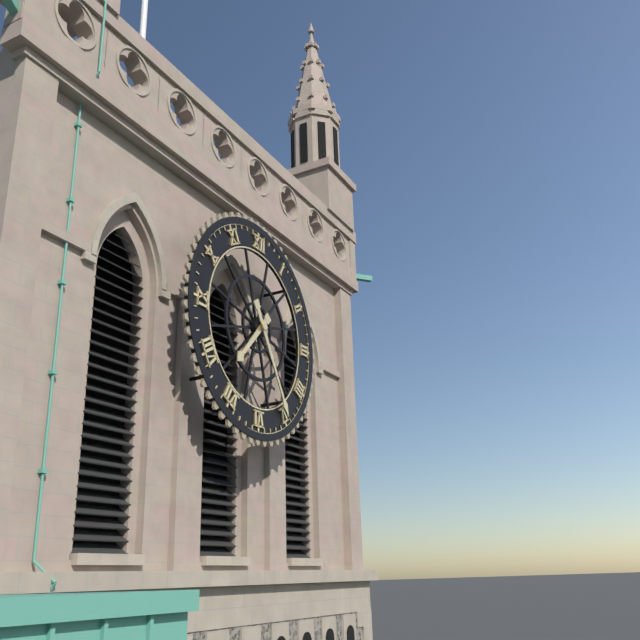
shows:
7,25
